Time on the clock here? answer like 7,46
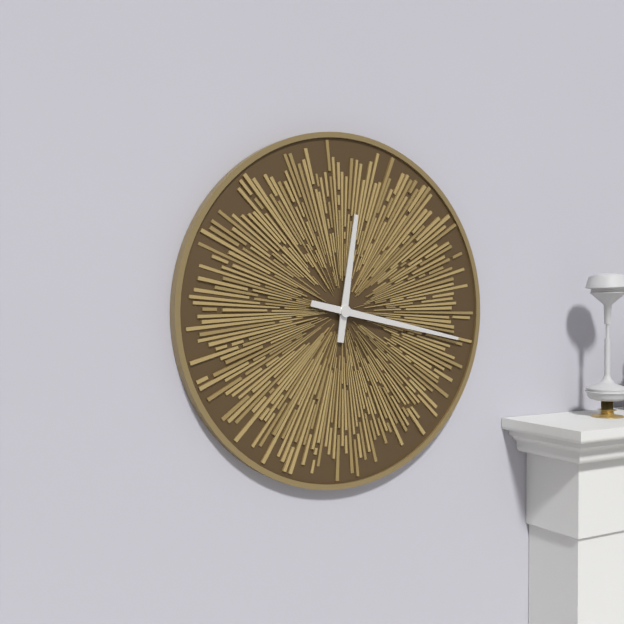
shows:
12,17
